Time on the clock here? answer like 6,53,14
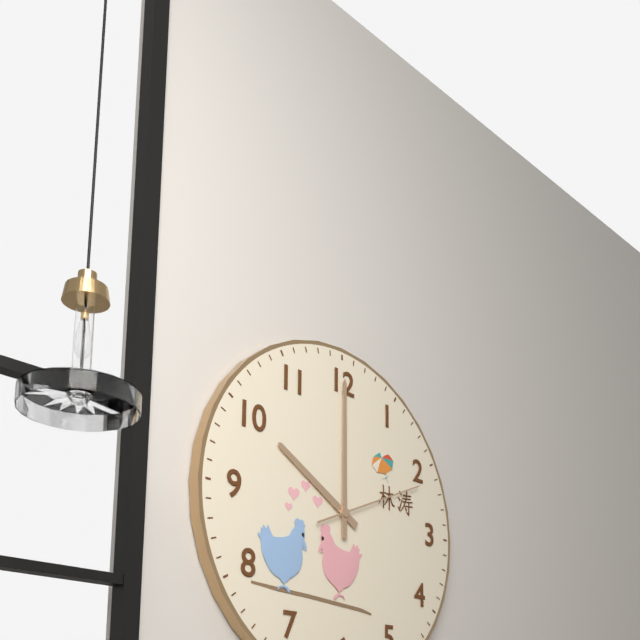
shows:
10,00,11
